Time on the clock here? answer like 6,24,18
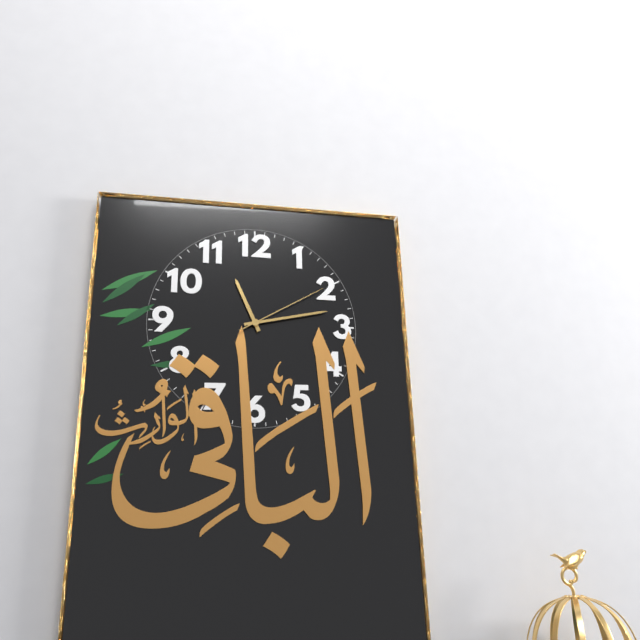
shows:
11,13,10
